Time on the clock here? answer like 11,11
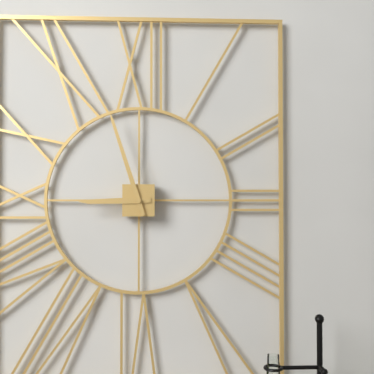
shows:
8,57
